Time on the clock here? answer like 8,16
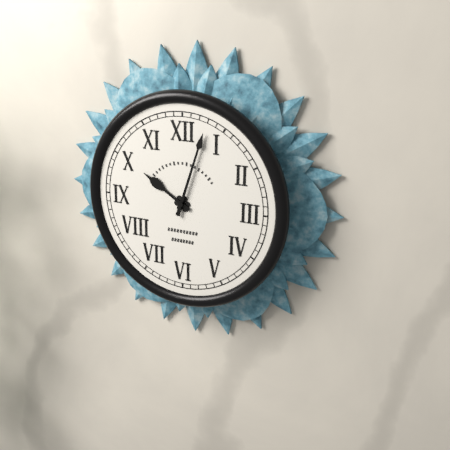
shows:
10,03
